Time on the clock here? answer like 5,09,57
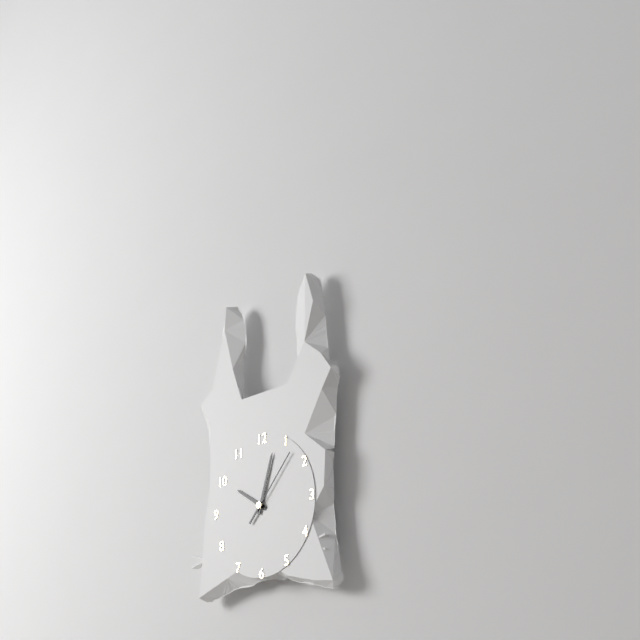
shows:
10,03,07
